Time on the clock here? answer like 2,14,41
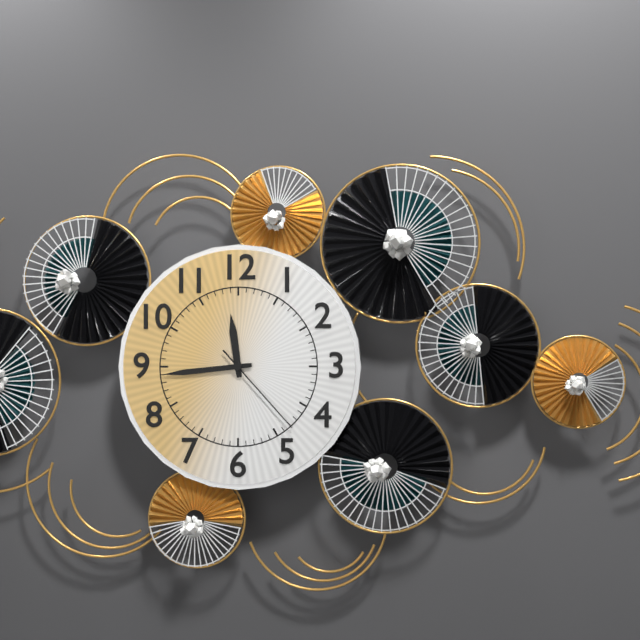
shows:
11,44,23
